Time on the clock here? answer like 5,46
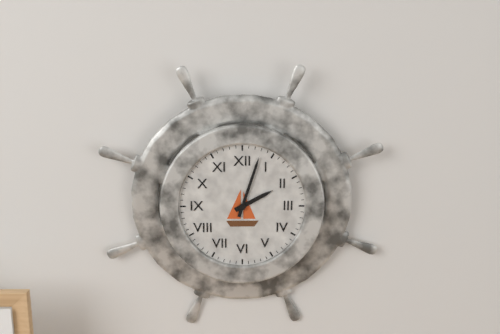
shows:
2,03
